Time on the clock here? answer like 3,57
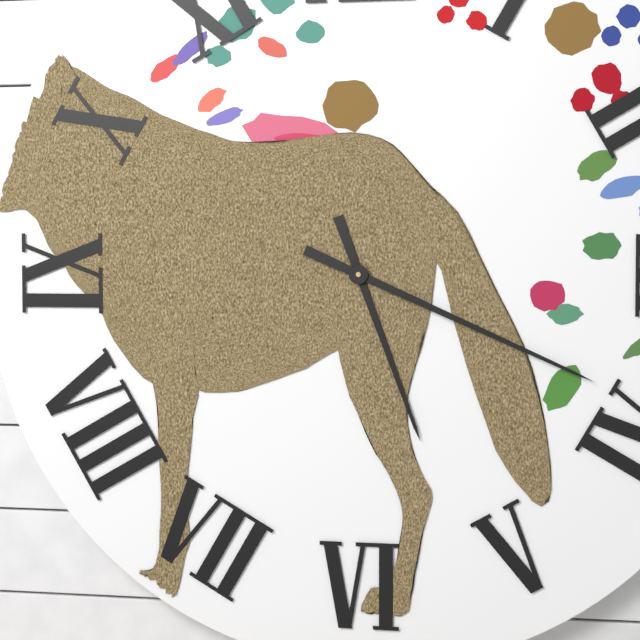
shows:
5,19
